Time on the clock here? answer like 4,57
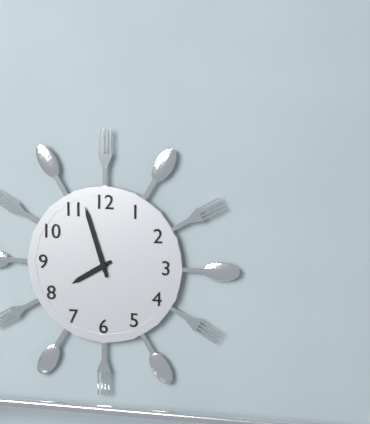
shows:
7,57
